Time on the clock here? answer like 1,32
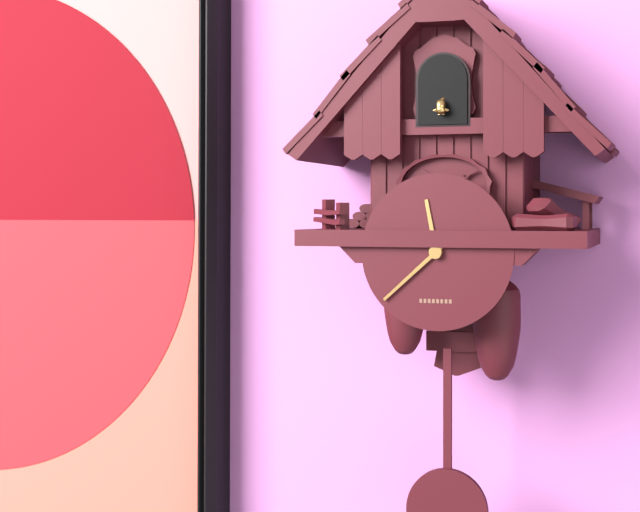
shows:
11,38
